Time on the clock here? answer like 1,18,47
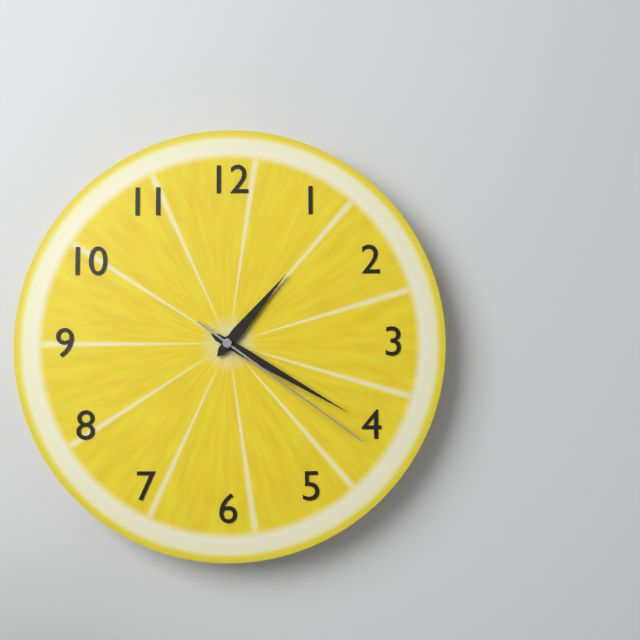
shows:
1,20,21
